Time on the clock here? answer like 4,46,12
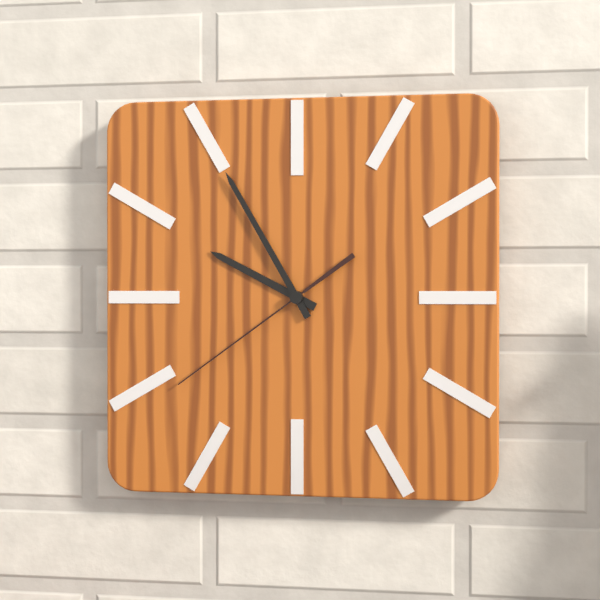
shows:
9,55,39
